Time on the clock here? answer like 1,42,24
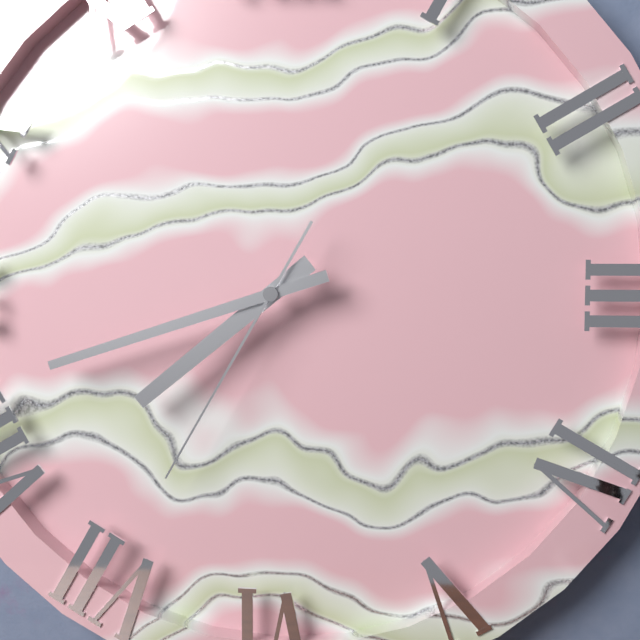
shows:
7,42,35
